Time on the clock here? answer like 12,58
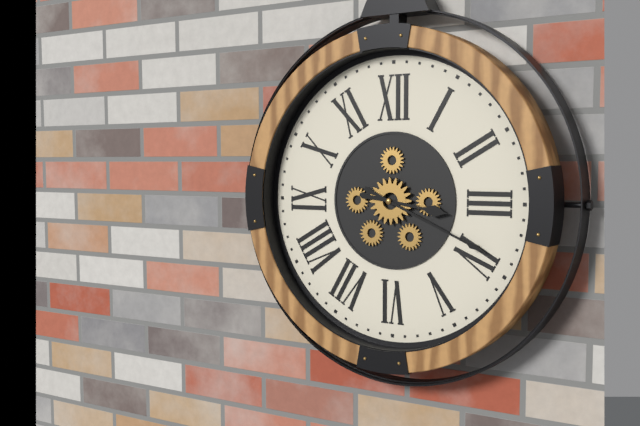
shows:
3,19
